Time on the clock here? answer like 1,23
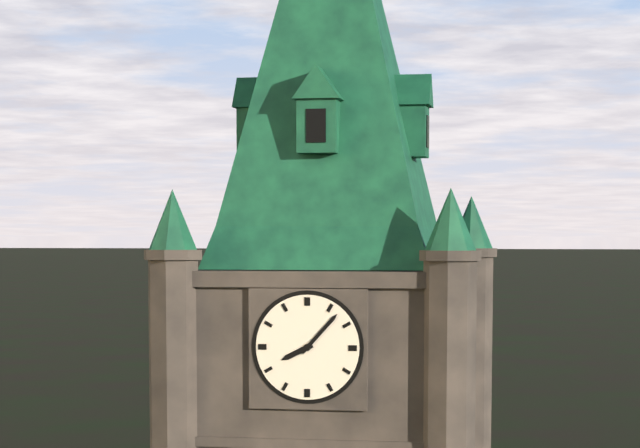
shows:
8,07
